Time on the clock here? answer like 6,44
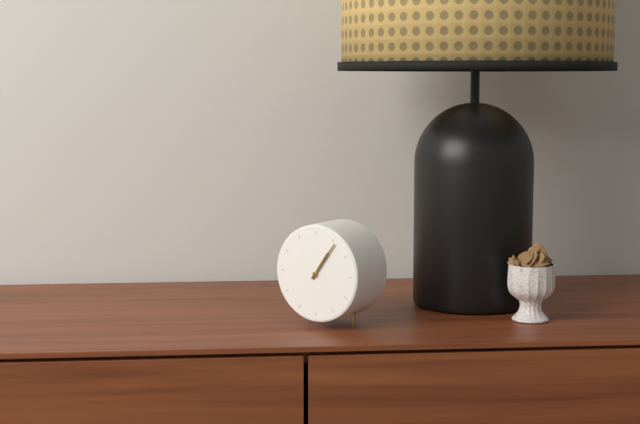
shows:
1,06
